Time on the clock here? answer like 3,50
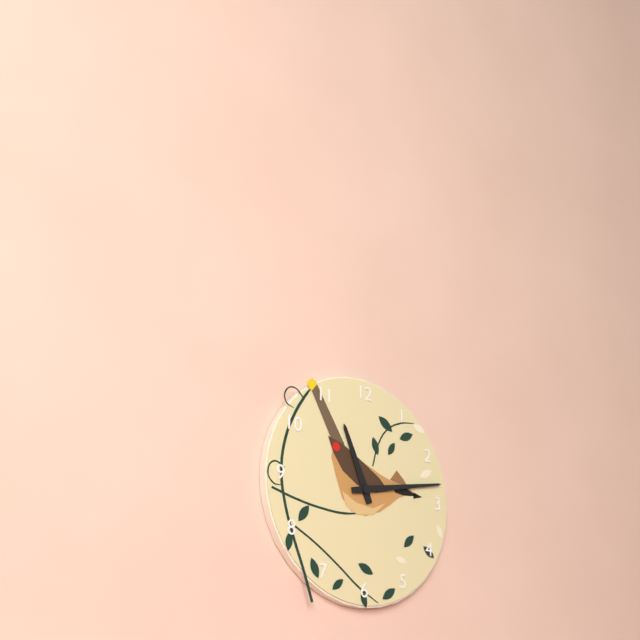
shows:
11,13
